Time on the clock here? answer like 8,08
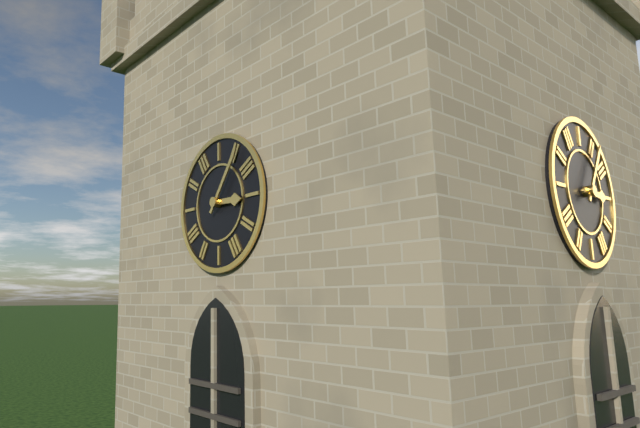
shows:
3,06
